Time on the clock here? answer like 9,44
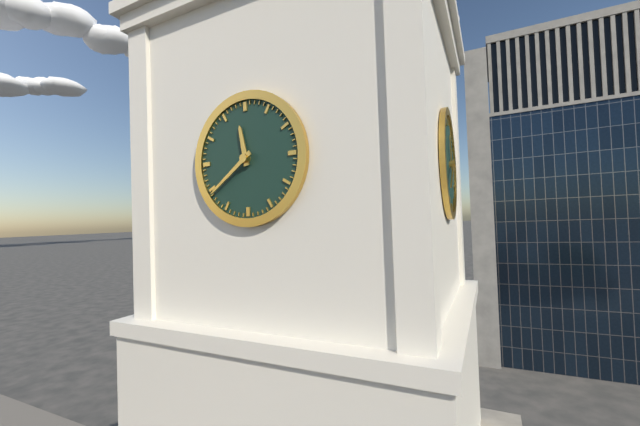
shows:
11,39
